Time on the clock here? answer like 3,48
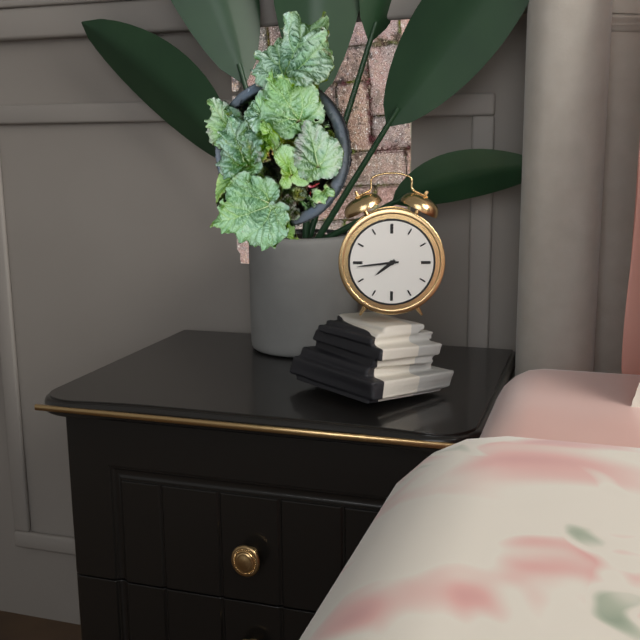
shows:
7,44
